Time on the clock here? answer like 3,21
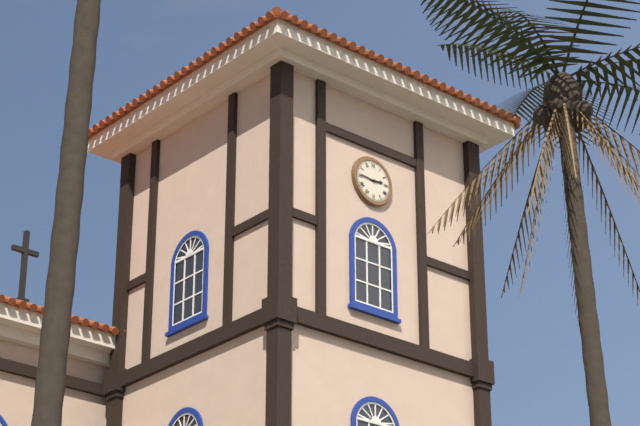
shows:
2,46
